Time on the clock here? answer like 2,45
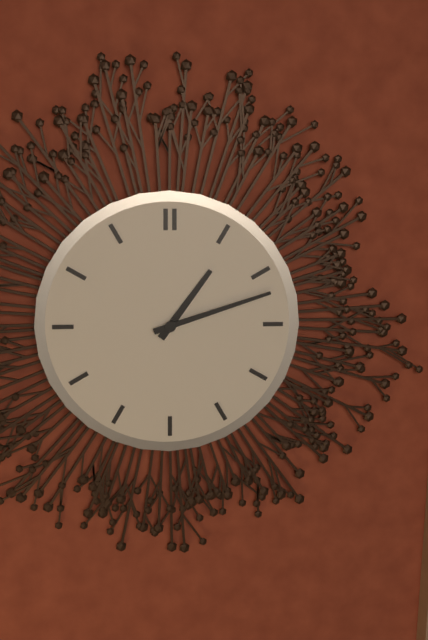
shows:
1,12
